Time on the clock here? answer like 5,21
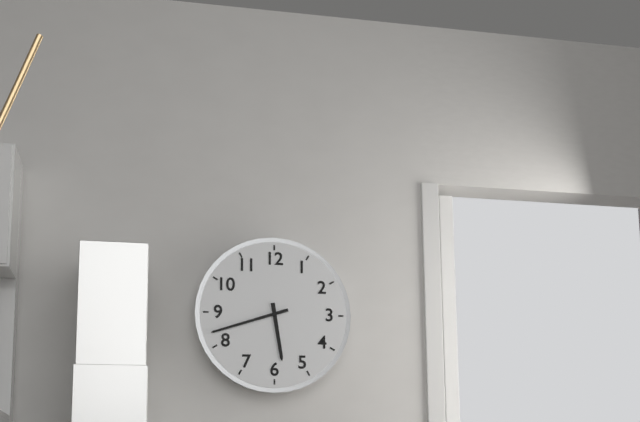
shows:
5,42
